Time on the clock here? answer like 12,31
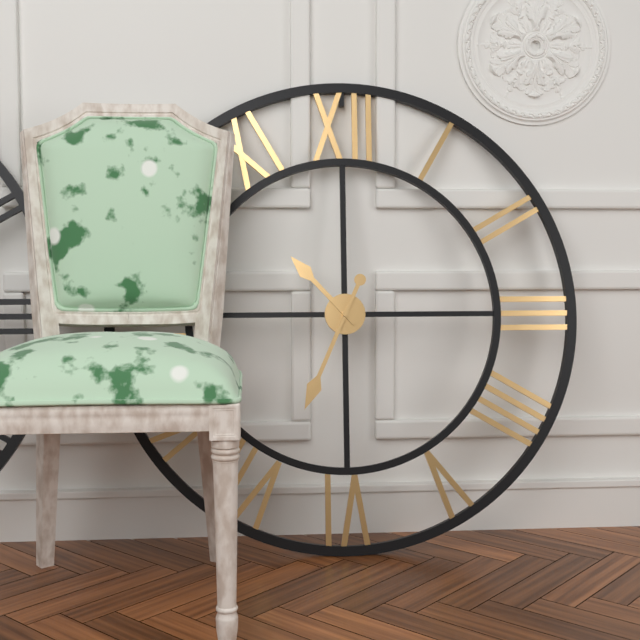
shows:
10,34
